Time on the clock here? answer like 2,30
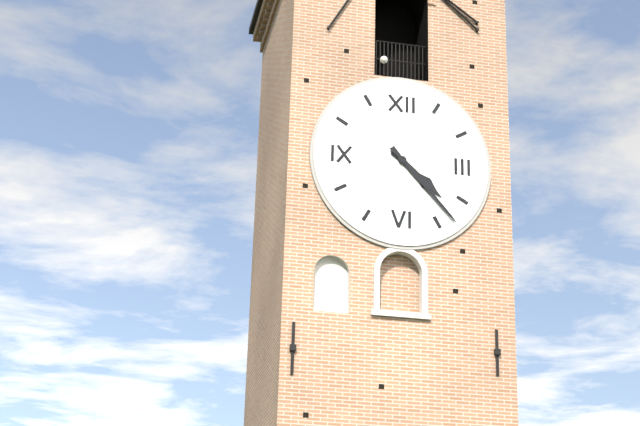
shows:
4,23
